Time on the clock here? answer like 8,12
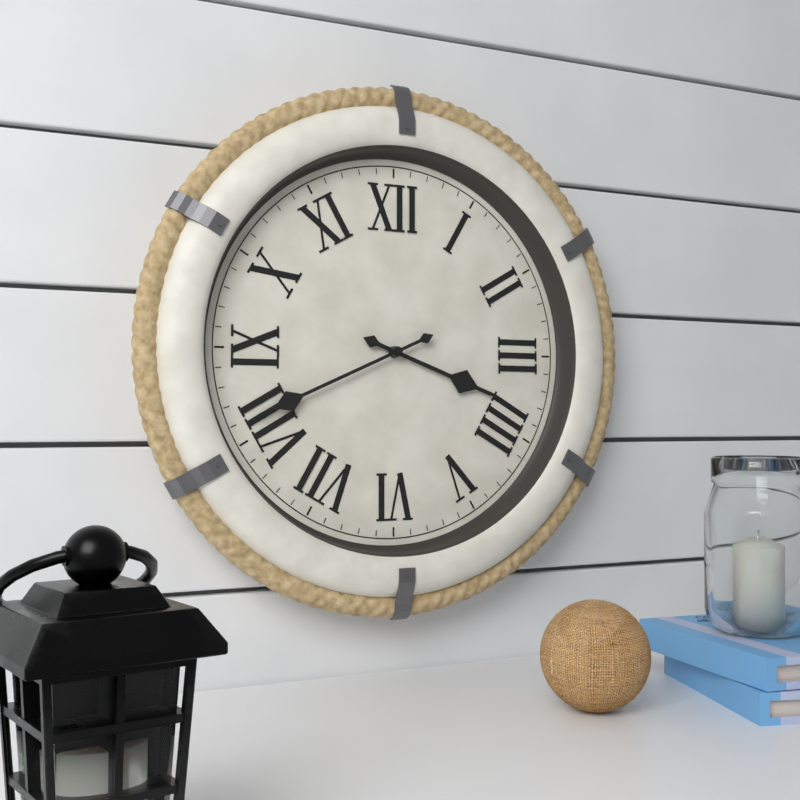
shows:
3,41
